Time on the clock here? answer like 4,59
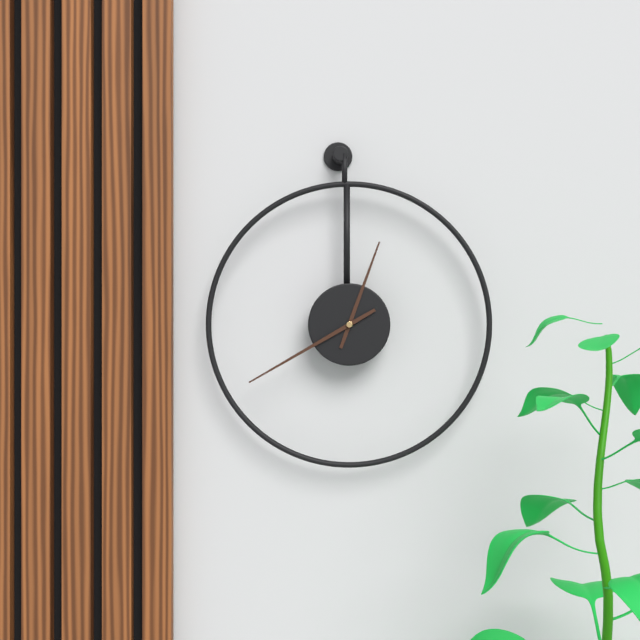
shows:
12,40
